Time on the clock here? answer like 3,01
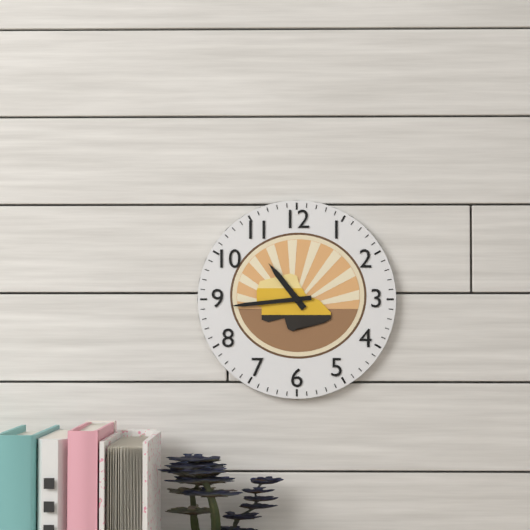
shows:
10,44
